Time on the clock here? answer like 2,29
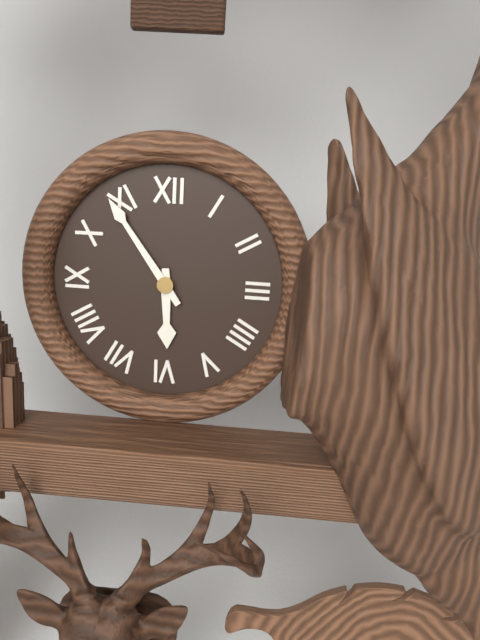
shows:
5,54
